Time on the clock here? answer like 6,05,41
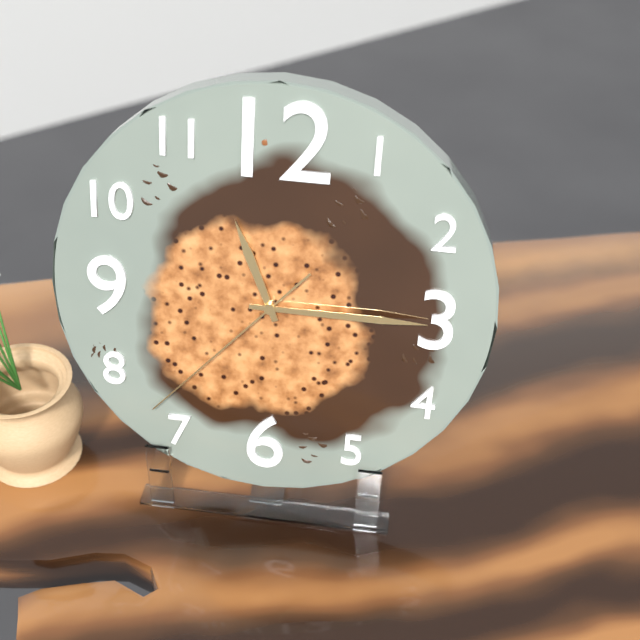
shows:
11,15,37
